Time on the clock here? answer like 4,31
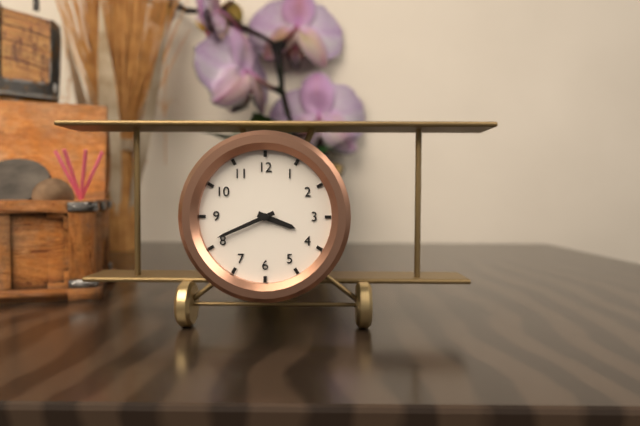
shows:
3,41
